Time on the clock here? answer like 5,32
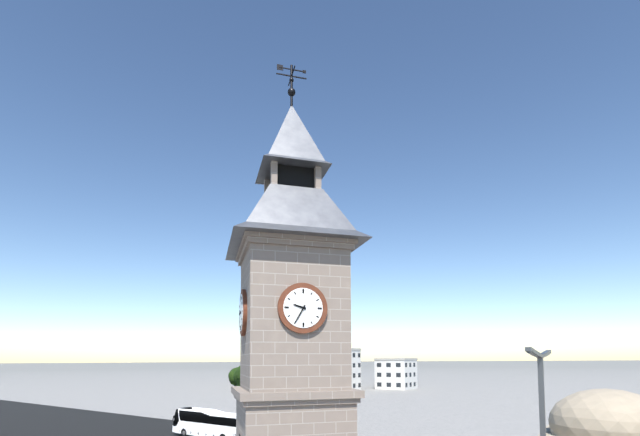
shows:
9,35
